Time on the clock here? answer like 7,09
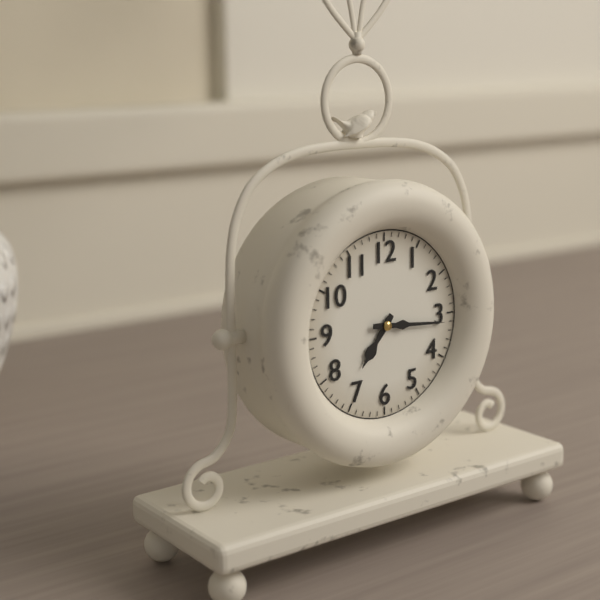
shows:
7,16
